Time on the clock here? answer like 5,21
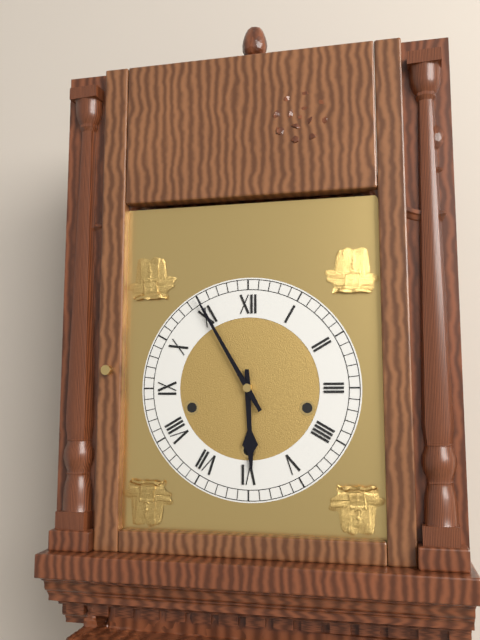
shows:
5,55
